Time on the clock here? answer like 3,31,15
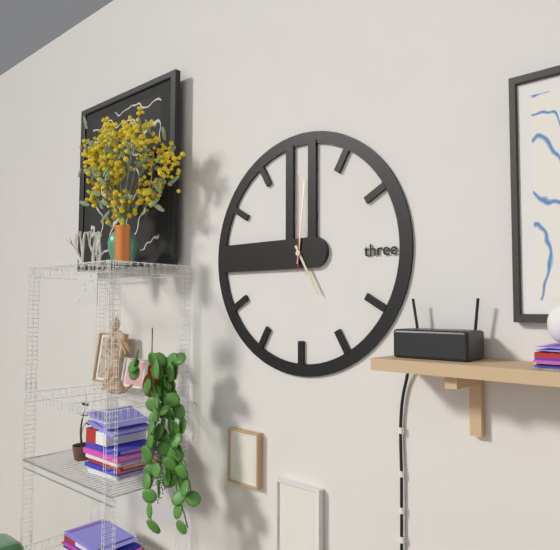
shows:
5,01,00
